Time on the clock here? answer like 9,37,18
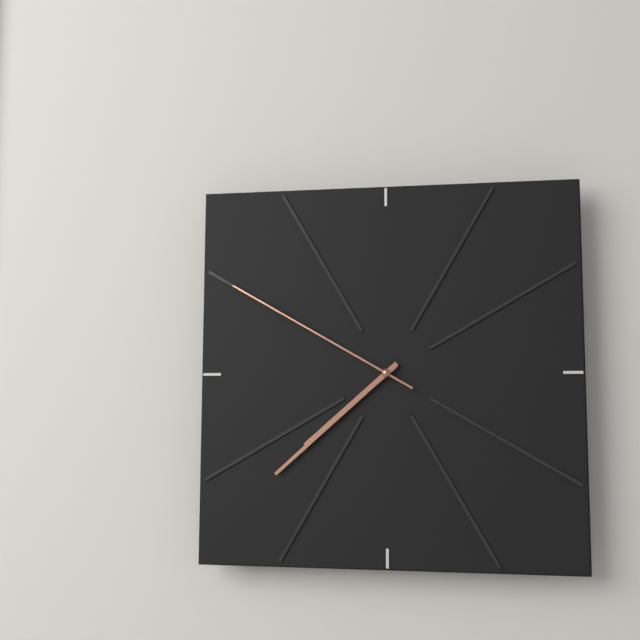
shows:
7,38,50
